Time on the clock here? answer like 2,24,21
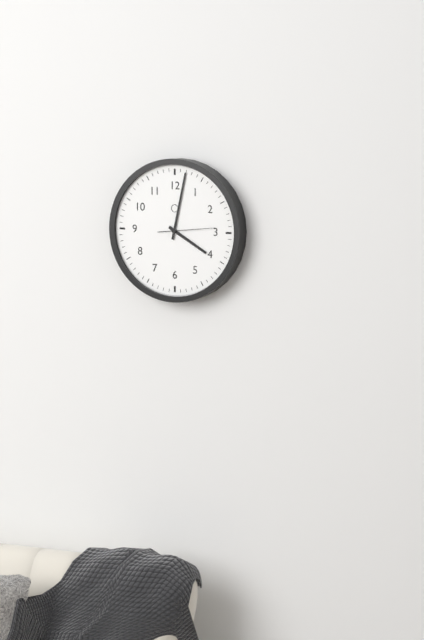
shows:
4,02,14
